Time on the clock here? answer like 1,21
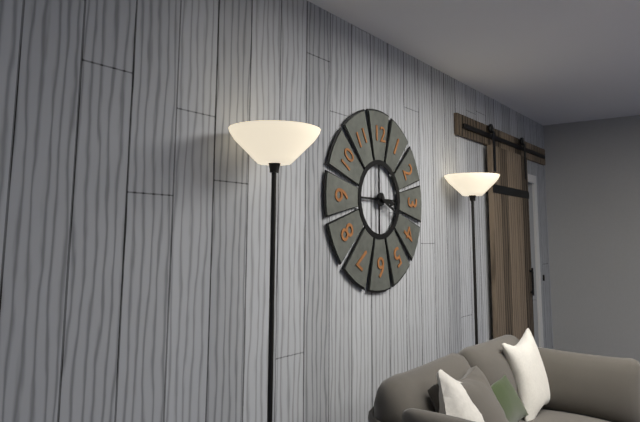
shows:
3,19
